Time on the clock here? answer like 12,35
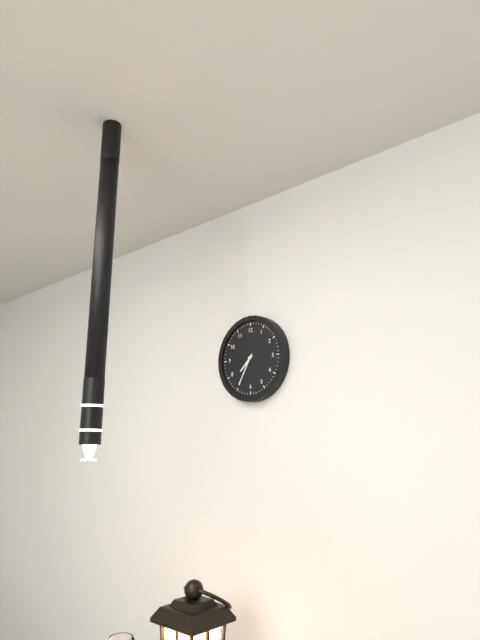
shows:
7,35
